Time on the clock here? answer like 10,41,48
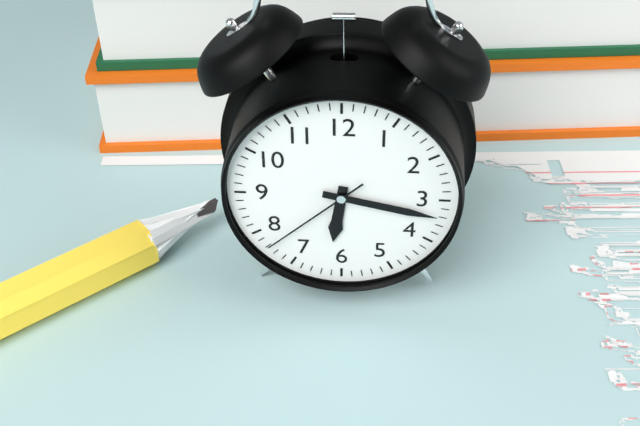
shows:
6,17,38
